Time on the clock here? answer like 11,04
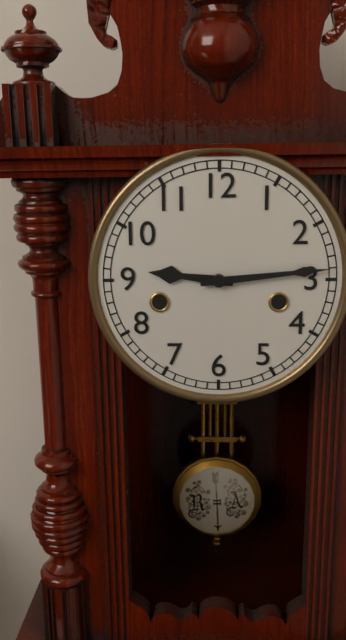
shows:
9,14
